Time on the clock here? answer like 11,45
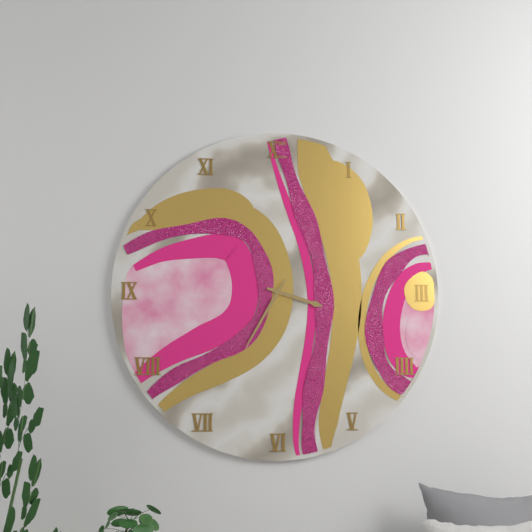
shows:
3,35
